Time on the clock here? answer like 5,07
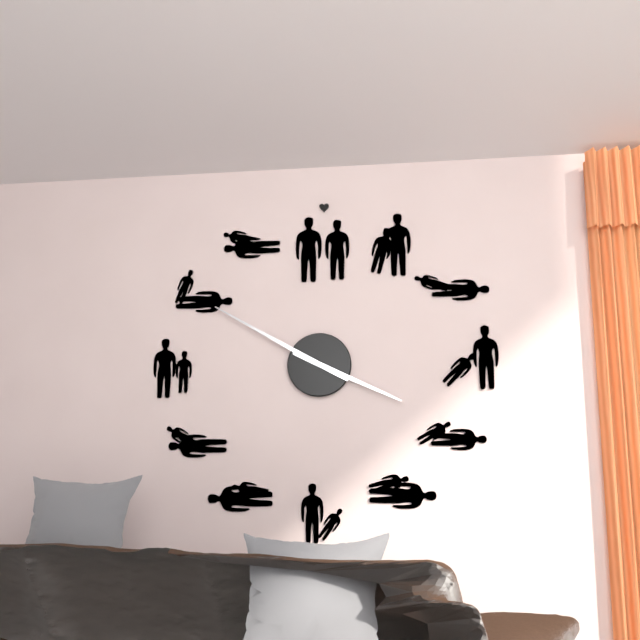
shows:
3,50
